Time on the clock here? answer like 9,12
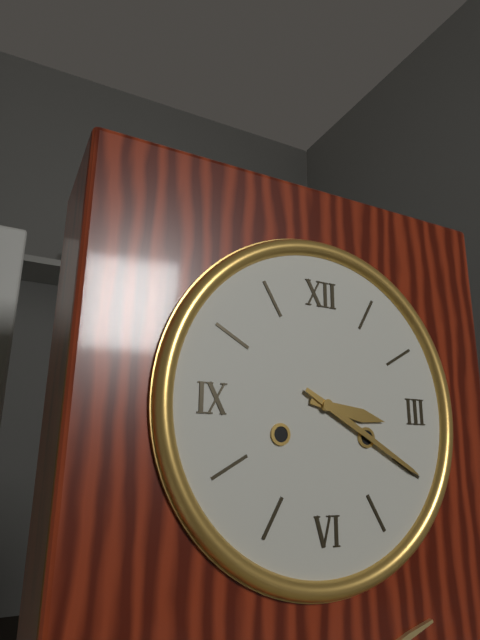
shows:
3,20
